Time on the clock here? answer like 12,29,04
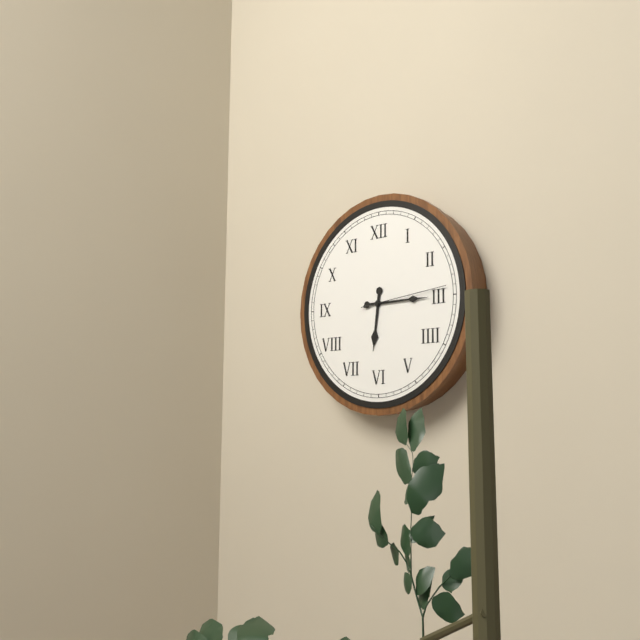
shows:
6,15,14
